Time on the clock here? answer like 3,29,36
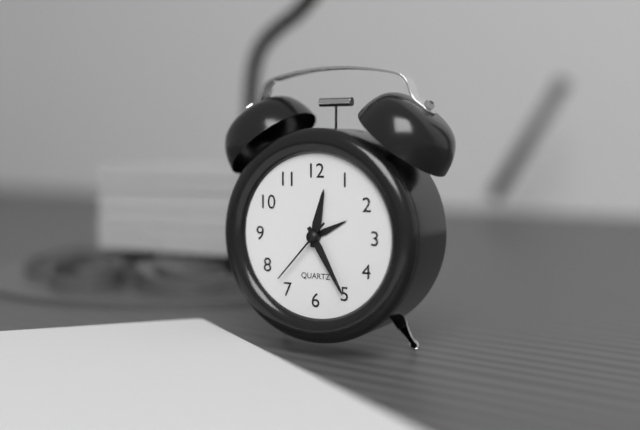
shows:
12,25,37
